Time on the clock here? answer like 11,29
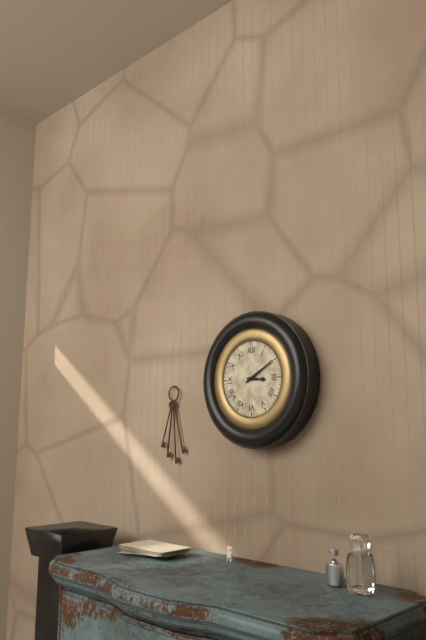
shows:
3,10
